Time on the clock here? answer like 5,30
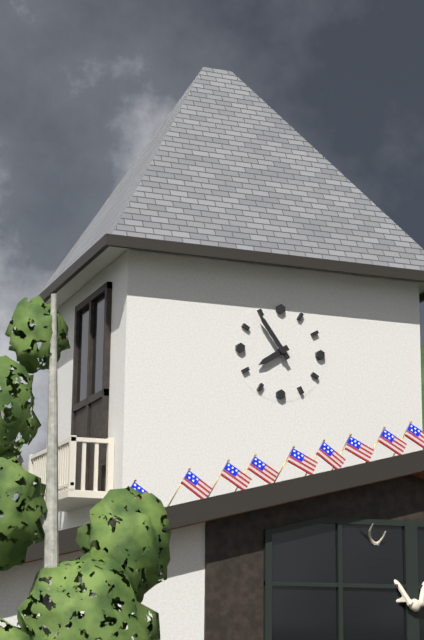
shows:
7,54
